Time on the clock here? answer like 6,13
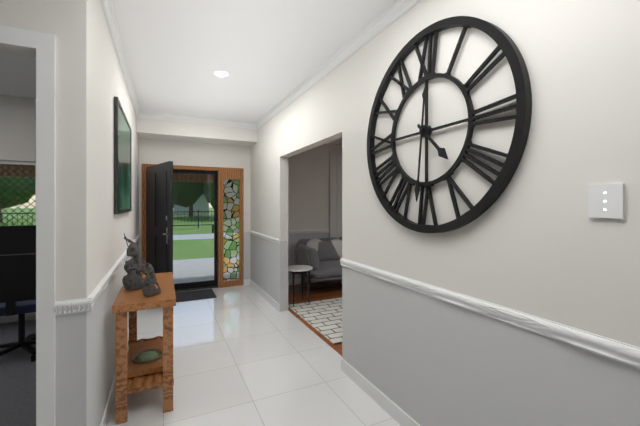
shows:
4,31
